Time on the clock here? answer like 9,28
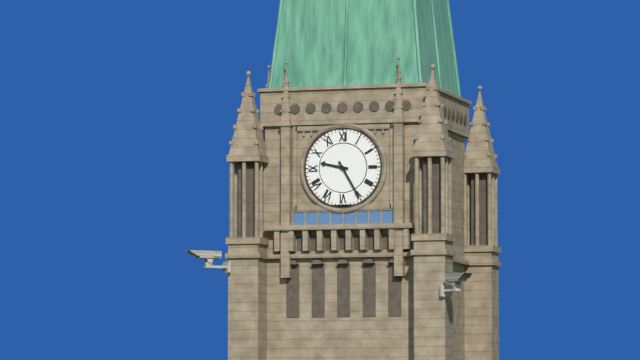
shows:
9,25
